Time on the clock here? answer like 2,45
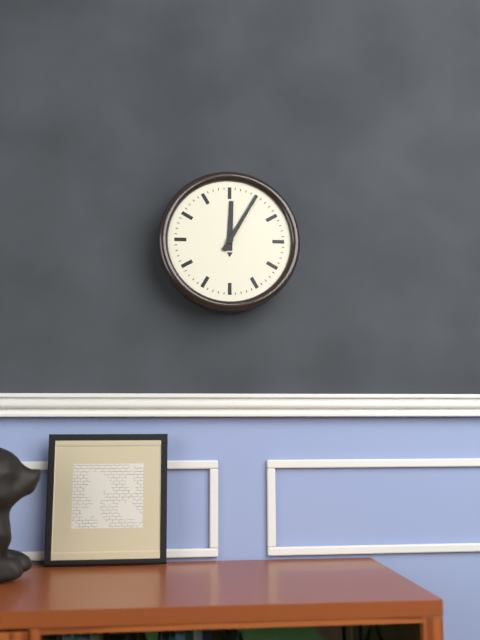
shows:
12,05
